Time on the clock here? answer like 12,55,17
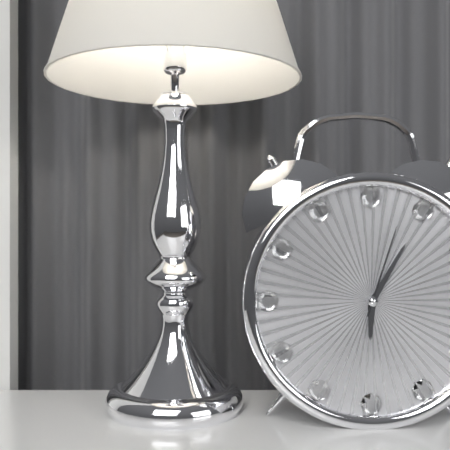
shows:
6,05,03
